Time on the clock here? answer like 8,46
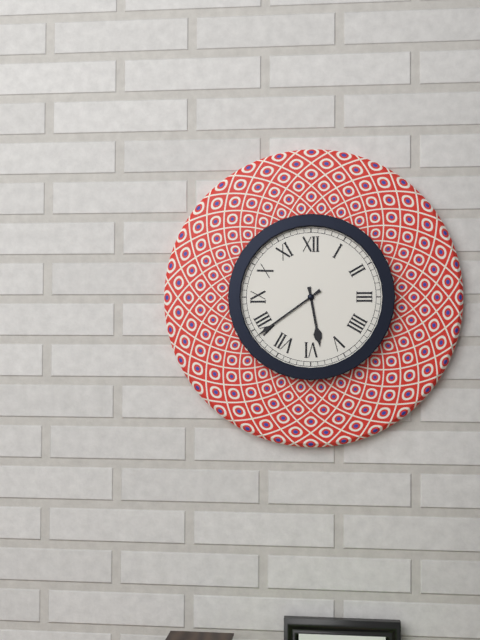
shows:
5,39
